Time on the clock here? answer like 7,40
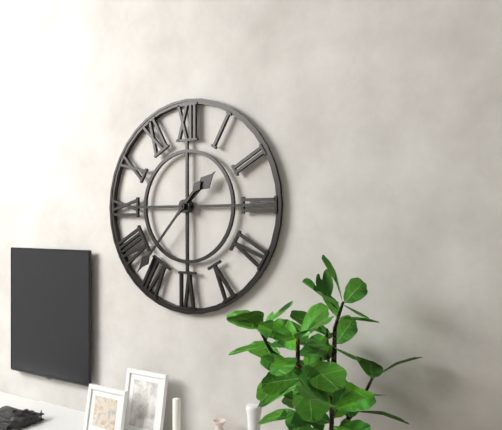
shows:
1,37
